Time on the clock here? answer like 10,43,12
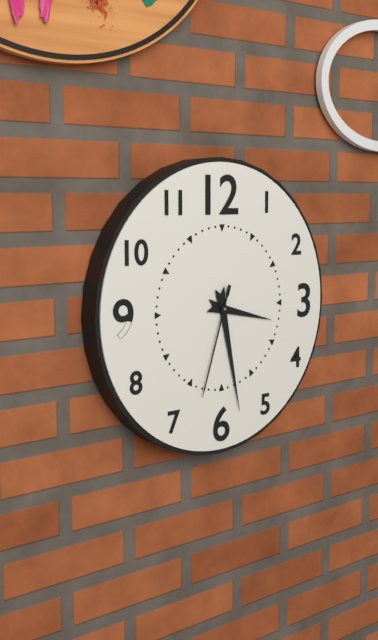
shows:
3,28,33
